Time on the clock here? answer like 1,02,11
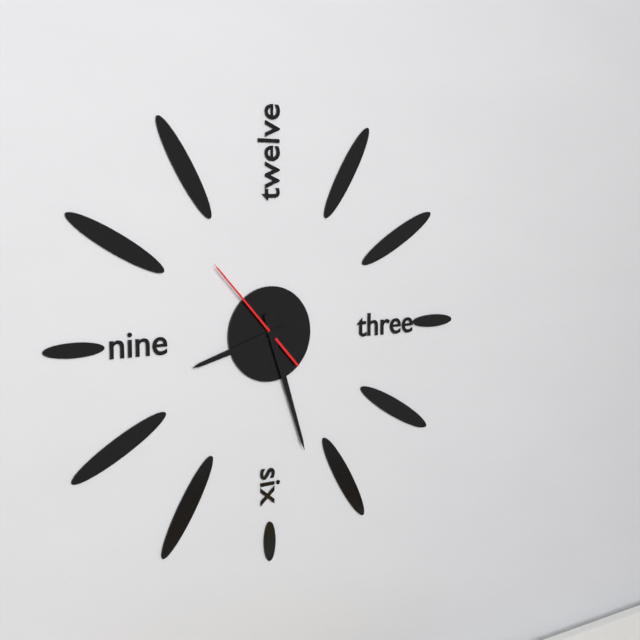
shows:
8,27,53
